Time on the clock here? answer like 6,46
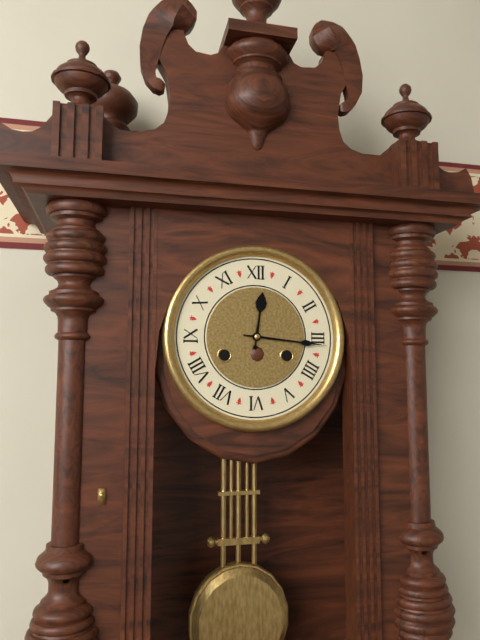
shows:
12,16
